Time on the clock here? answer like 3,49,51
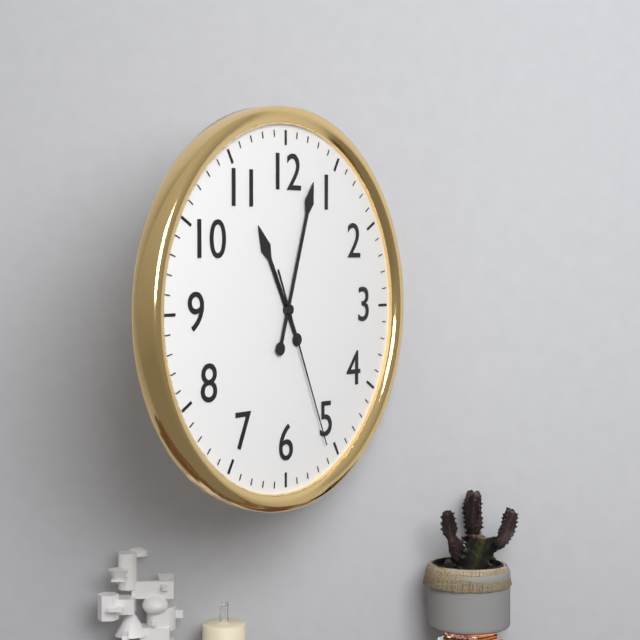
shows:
11,03,26
